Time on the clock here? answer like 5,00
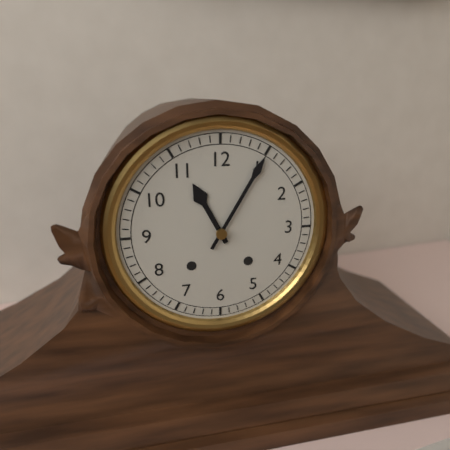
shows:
11,05
